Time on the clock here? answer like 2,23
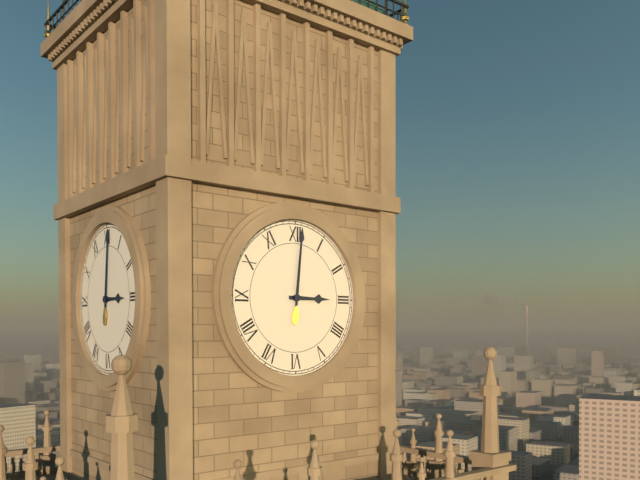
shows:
3,01
